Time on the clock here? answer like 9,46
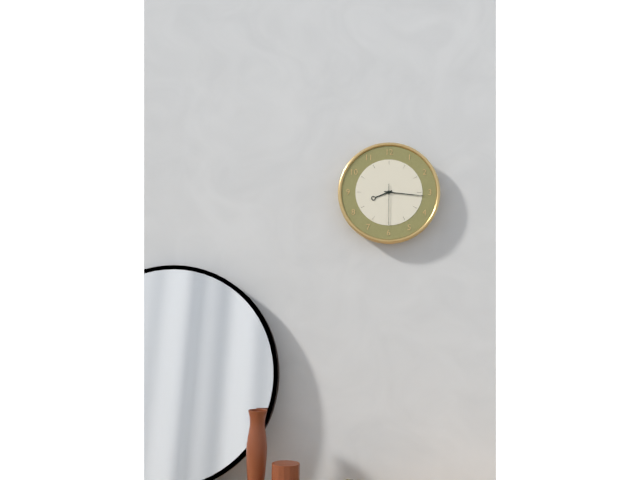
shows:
8,16
